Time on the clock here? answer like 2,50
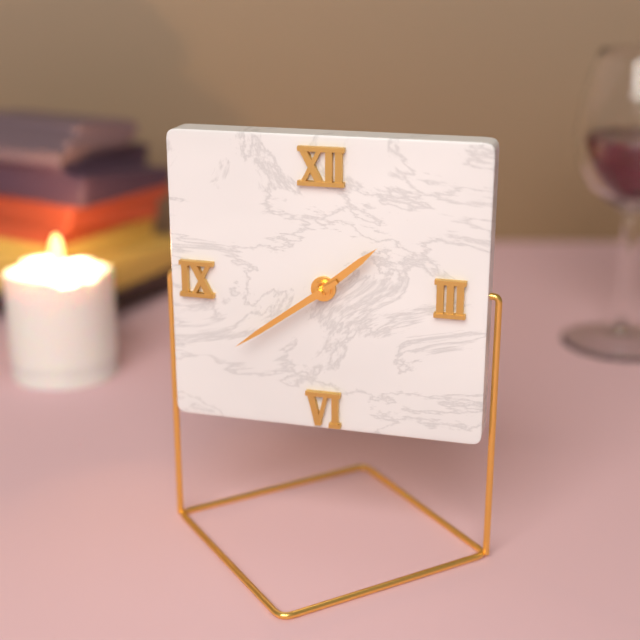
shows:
1,39
